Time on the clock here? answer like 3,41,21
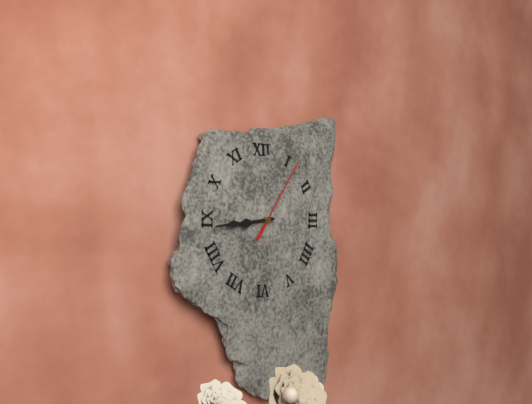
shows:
8,44,06
